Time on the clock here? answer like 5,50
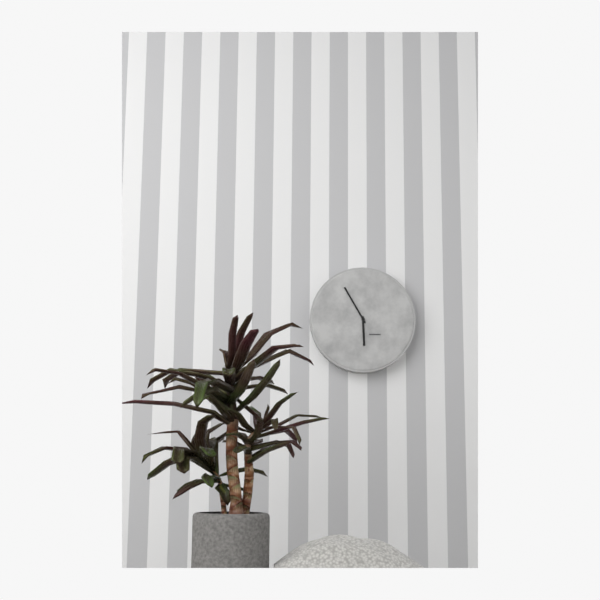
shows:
5,55
